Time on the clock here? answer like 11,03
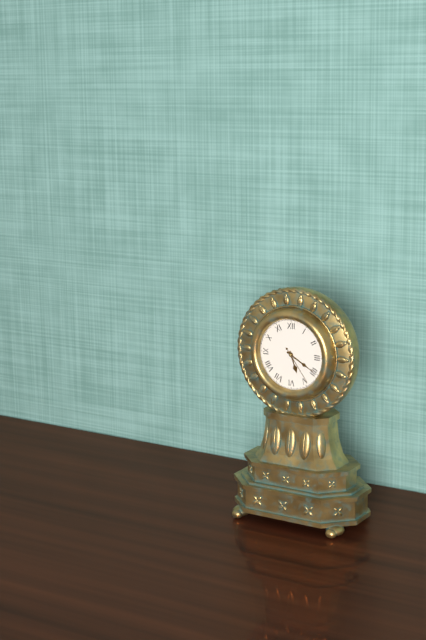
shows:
5,20
